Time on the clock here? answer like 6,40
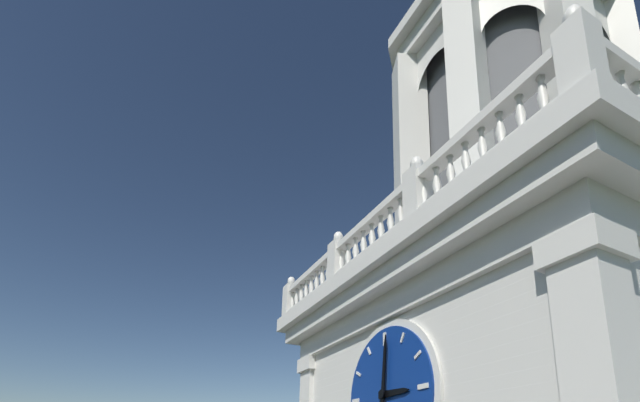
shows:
3,01
